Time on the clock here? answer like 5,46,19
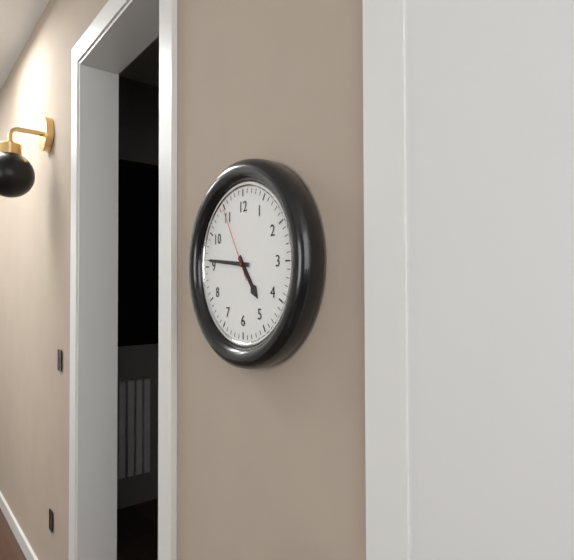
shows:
4,46,55
